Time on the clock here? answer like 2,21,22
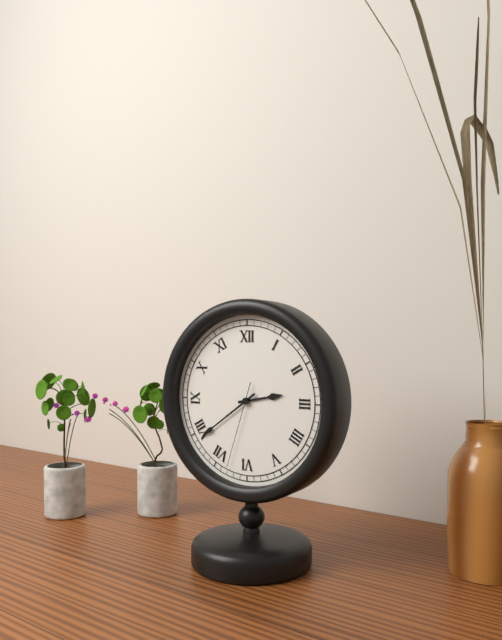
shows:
2,39,33
